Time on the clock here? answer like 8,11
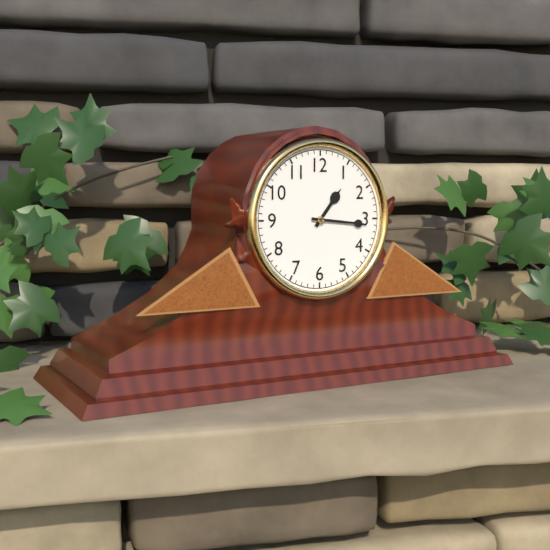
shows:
1,16
